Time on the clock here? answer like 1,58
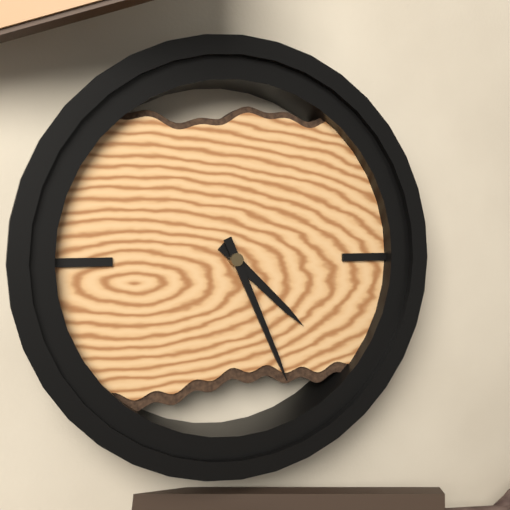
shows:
4,26
